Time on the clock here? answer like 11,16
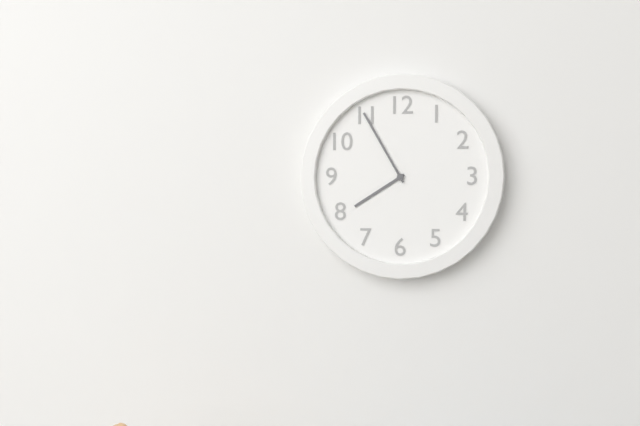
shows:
7,55
